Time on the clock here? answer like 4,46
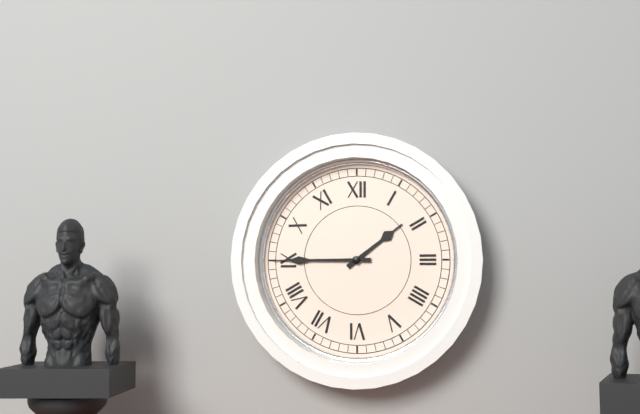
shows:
1,45
